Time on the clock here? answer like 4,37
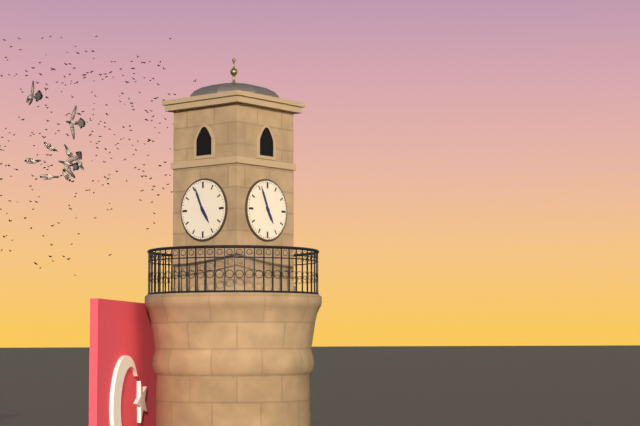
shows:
4,56
